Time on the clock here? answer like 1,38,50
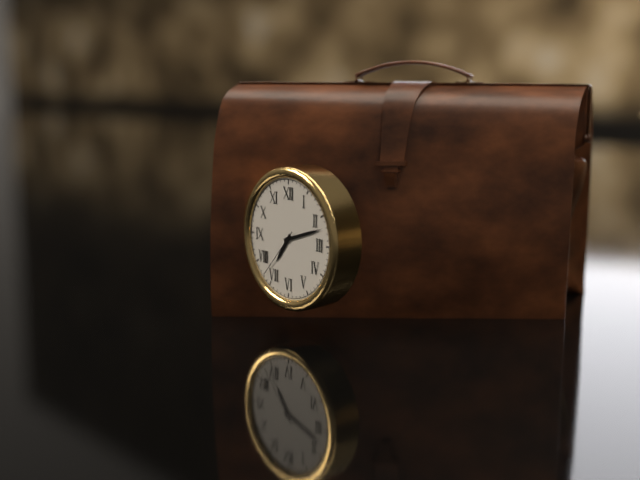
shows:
7,12,37
